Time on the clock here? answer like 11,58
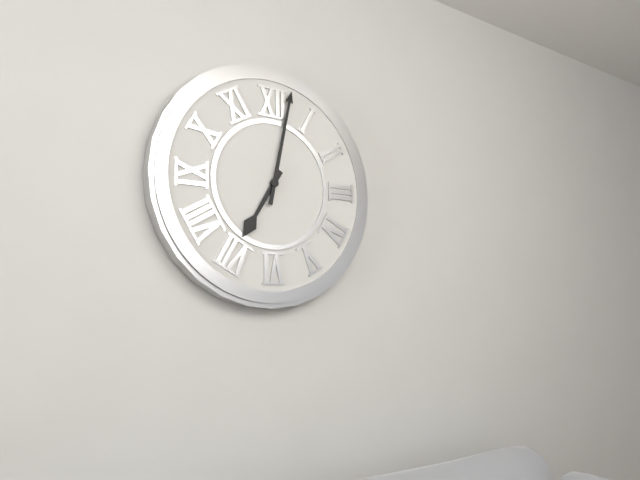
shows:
7,02
